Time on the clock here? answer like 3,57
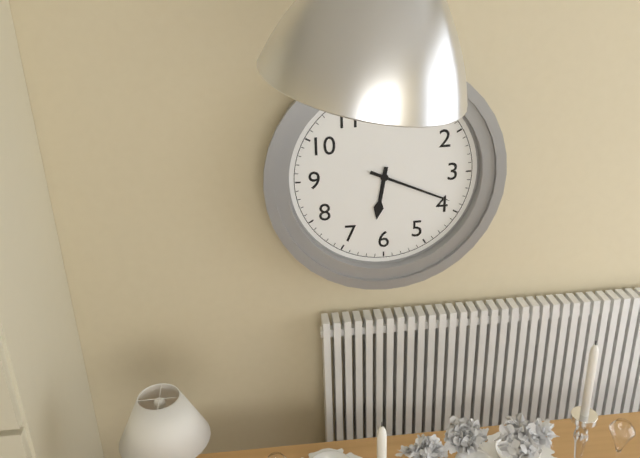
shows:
6,19
